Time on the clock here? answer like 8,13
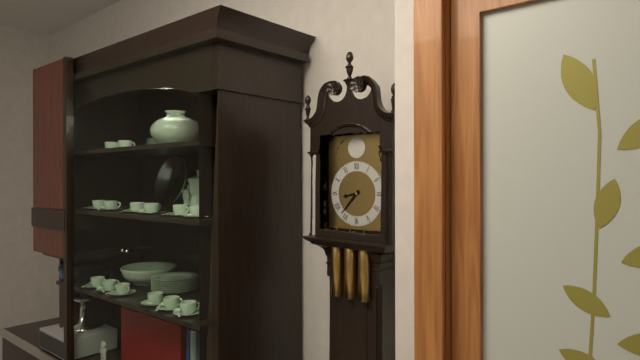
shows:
8,37
